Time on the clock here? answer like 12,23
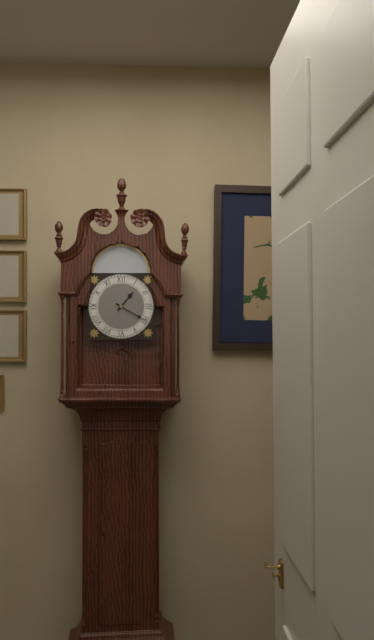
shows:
1,20
